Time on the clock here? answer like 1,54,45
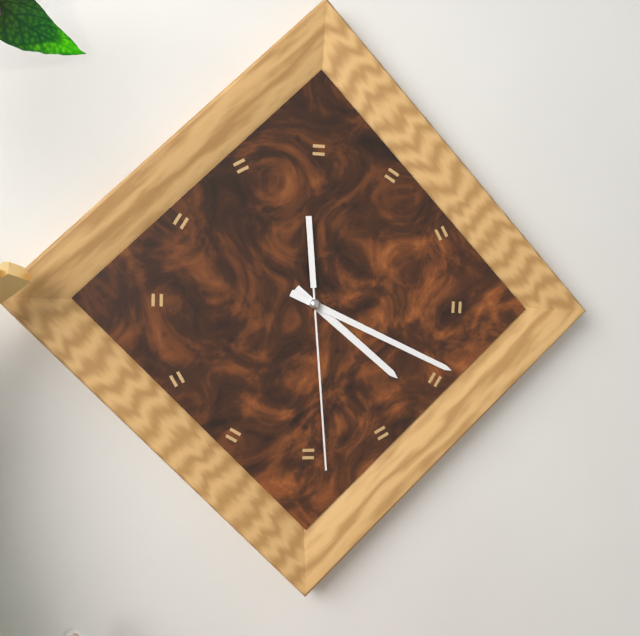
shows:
4,19,29
